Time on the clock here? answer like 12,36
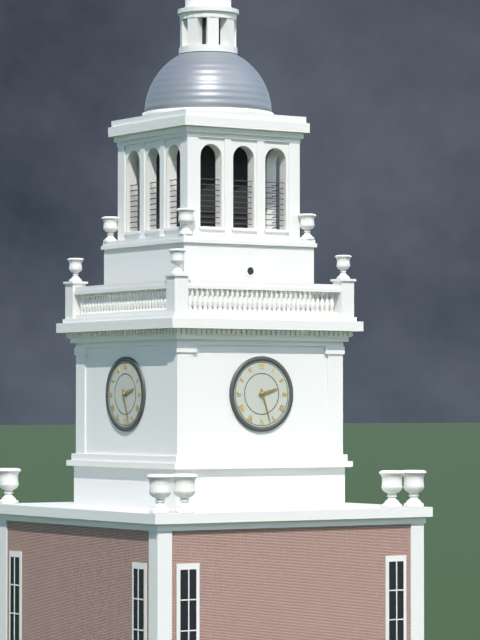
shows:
2,27
